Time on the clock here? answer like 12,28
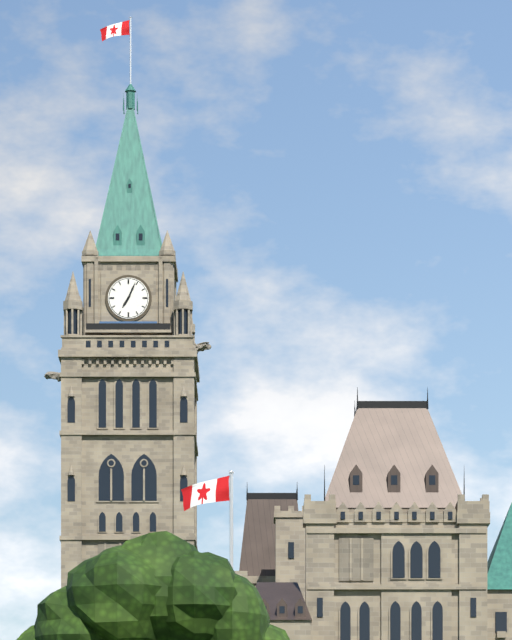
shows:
7,04
